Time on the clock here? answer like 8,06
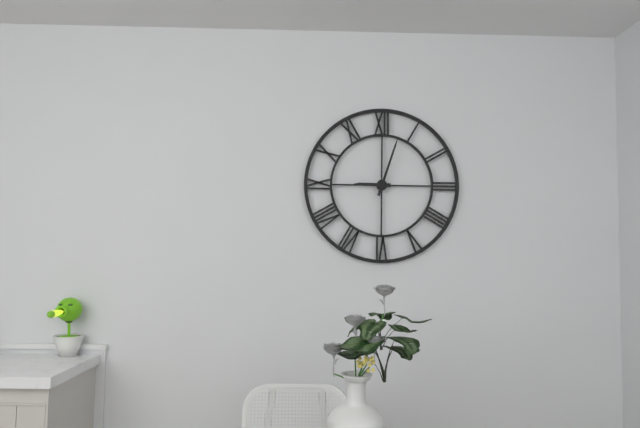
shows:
9,03
